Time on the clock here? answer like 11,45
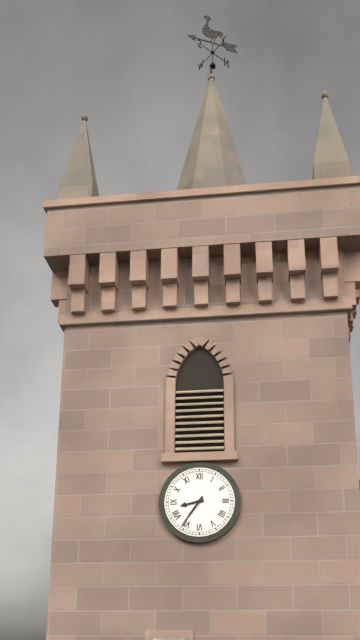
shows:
8,36
